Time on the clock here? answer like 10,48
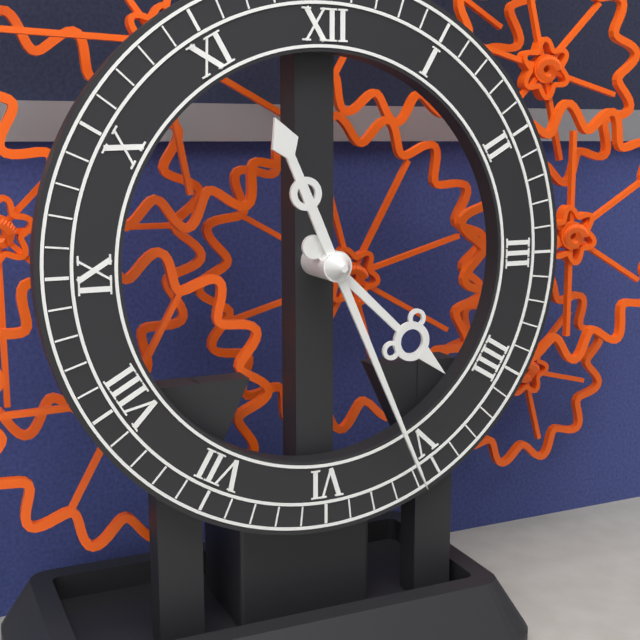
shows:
4,26
